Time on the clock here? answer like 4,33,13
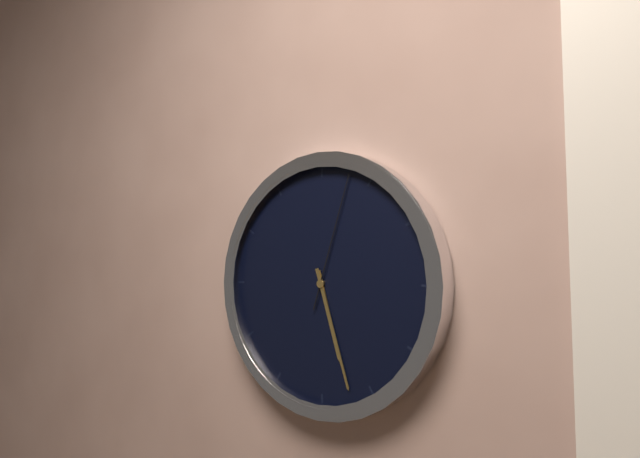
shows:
5,27,03
